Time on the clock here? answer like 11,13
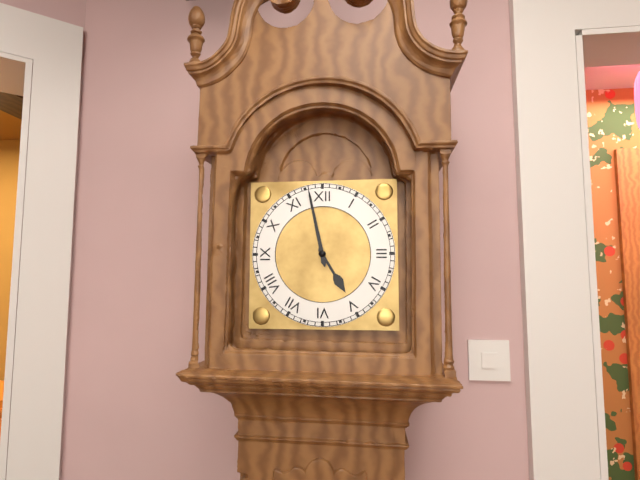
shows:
4,58
